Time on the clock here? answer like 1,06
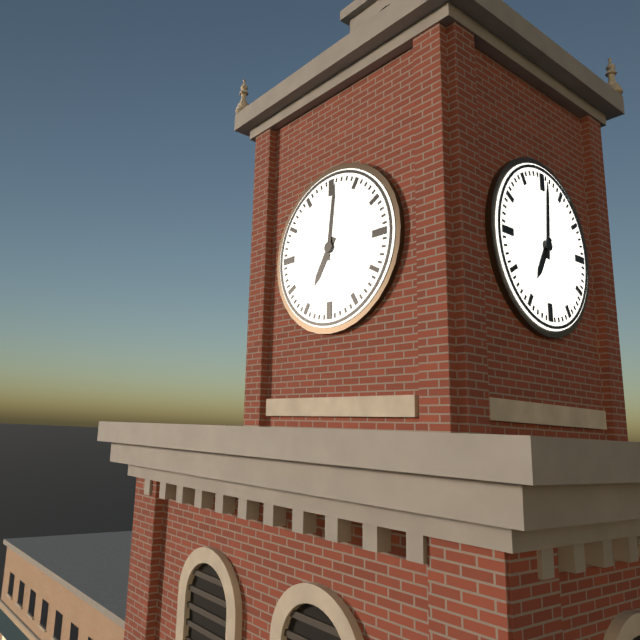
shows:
7,01
